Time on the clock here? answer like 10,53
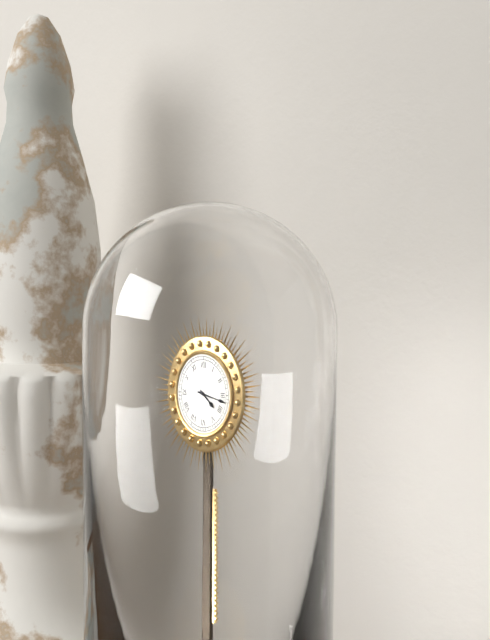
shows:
4,17
